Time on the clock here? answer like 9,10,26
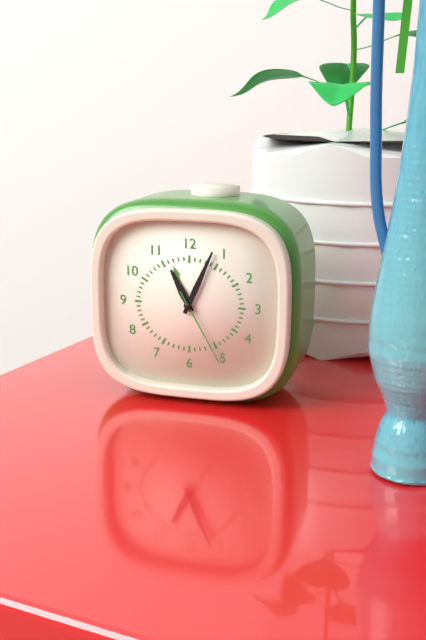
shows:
11,04,25
